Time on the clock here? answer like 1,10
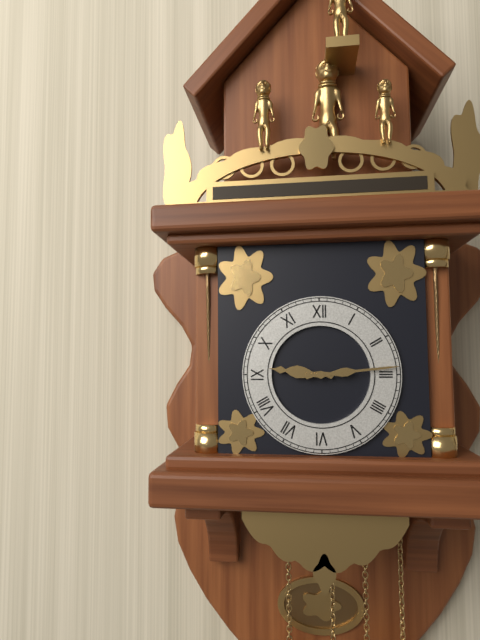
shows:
9,14
